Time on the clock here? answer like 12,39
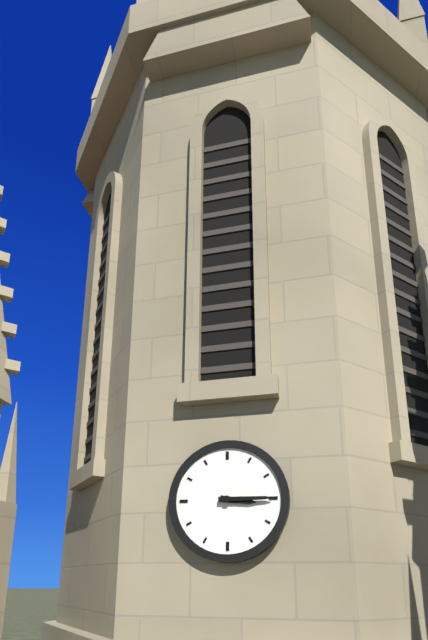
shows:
3,15
